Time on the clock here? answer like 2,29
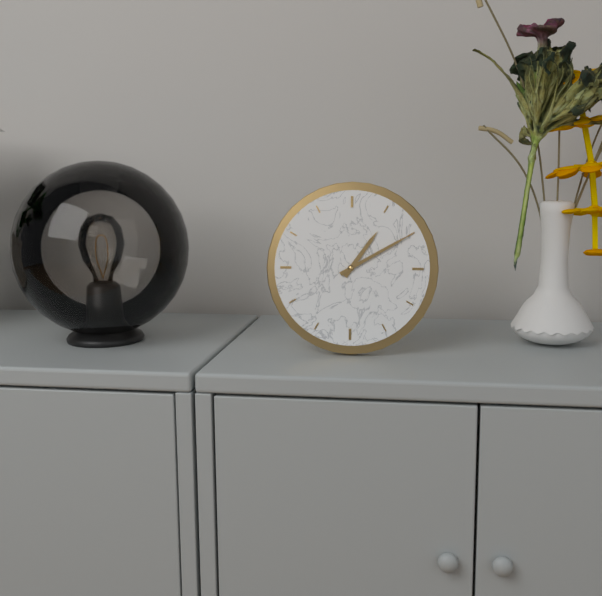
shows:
1,10
